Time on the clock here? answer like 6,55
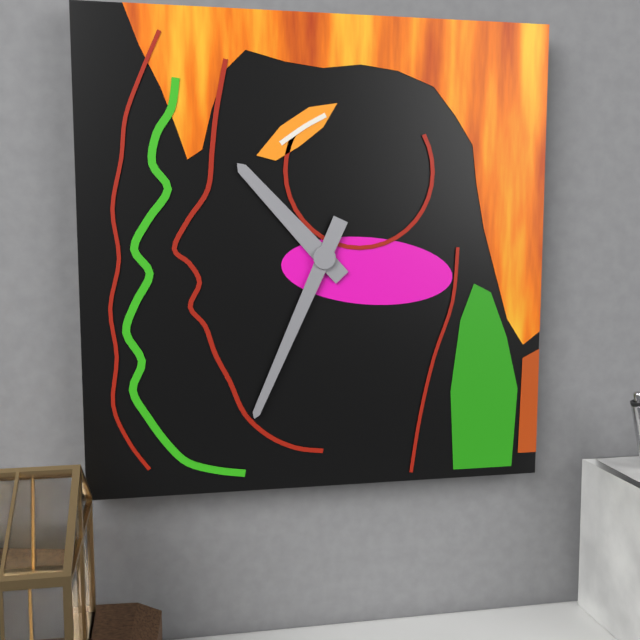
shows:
10,34
